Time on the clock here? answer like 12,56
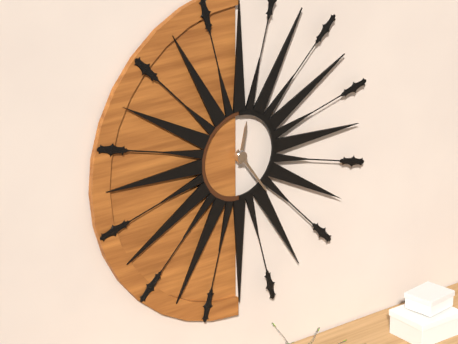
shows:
12,24
